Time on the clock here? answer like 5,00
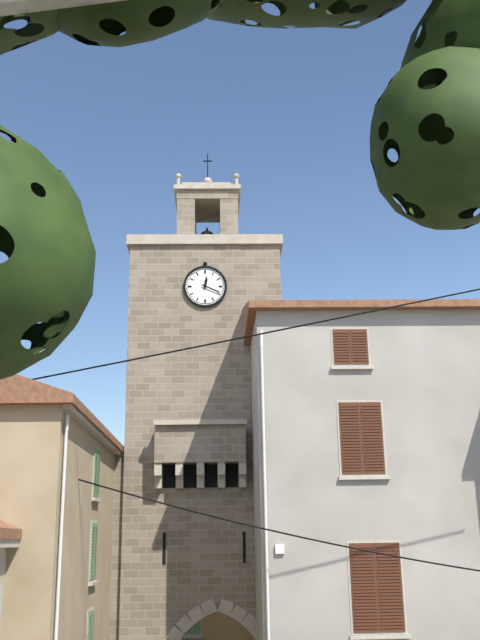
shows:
12,19
